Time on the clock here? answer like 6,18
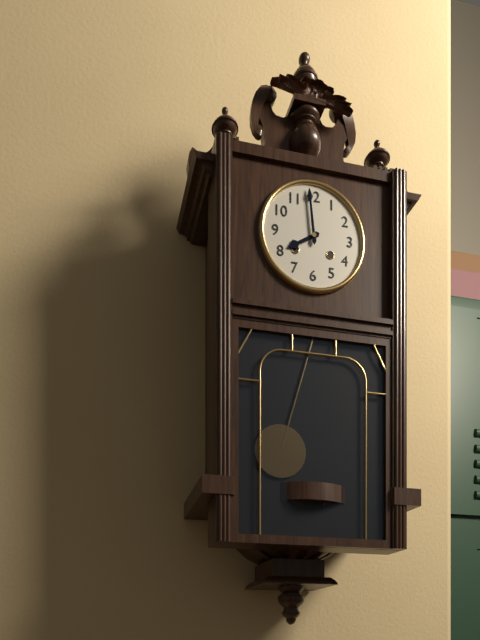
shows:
7,59
